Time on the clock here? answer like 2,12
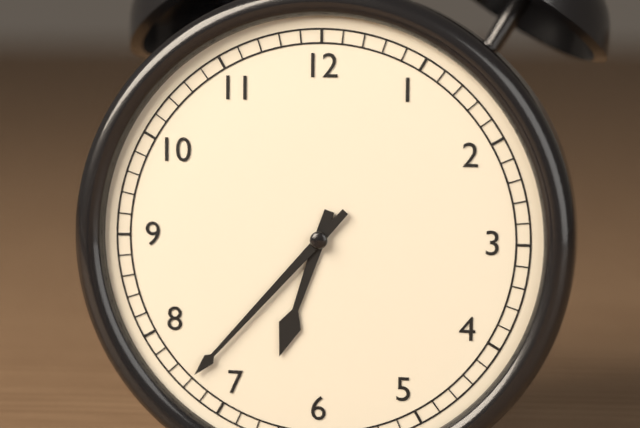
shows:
6,37
